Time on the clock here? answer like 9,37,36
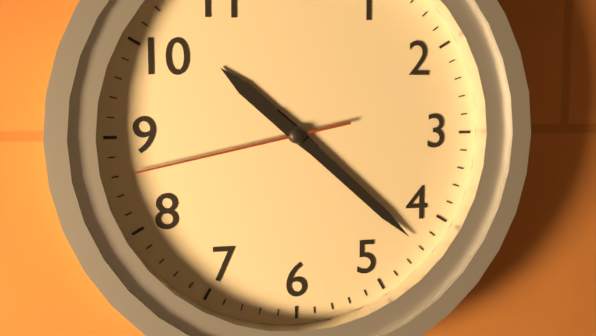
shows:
10,22,43
